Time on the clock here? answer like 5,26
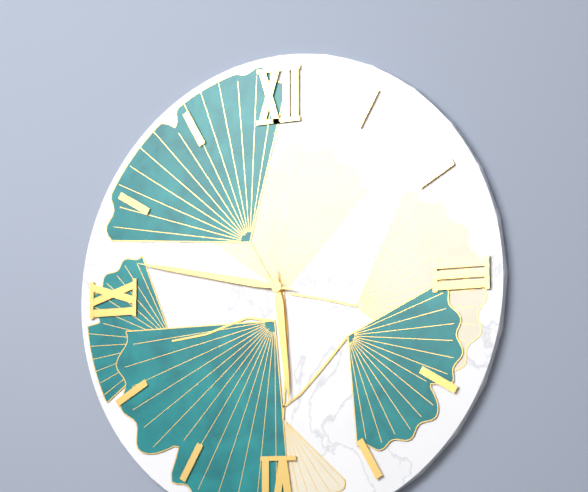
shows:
5,47
